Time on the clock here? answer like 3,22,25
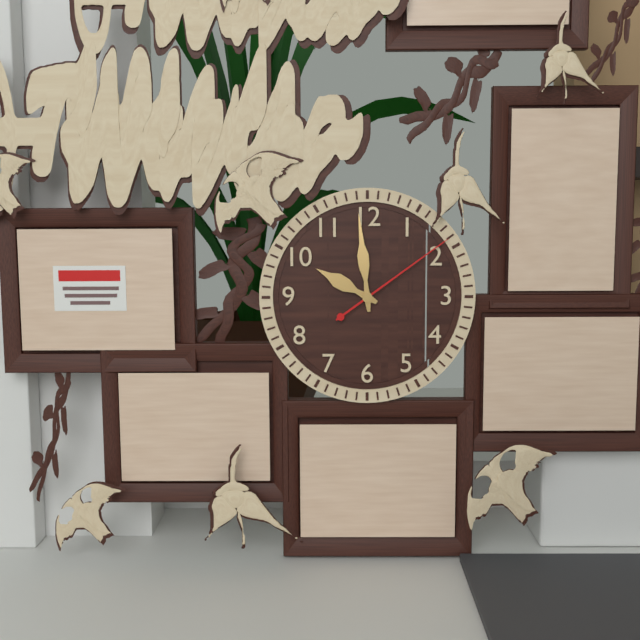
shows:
9,59,09
